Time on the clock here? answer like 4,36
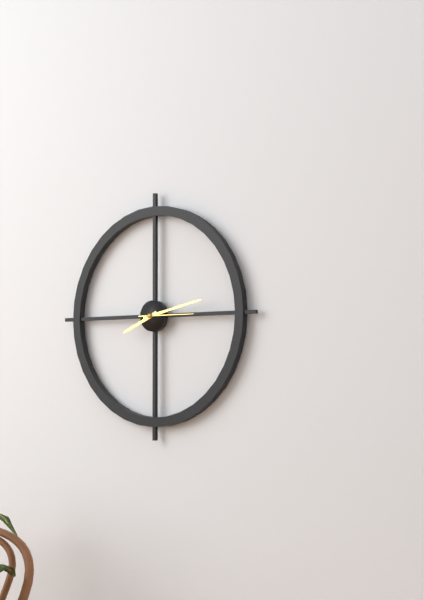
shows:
8,13
